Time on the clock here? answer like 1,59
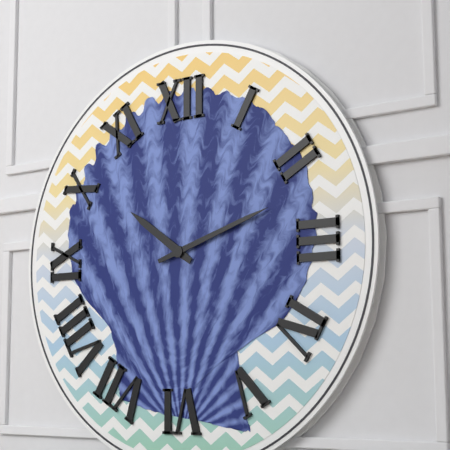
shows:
10,12
